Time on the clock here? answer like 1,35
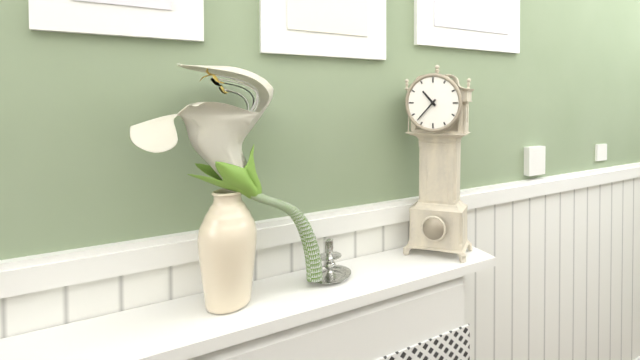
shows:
10,37
